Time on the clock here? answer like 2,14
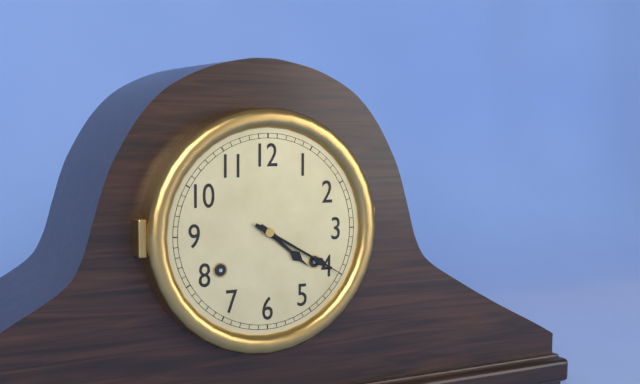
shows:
4,20
